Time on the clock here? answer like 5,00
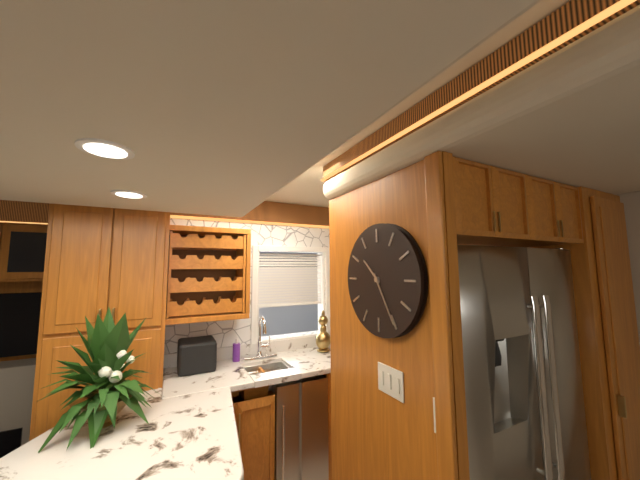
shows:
10,25
